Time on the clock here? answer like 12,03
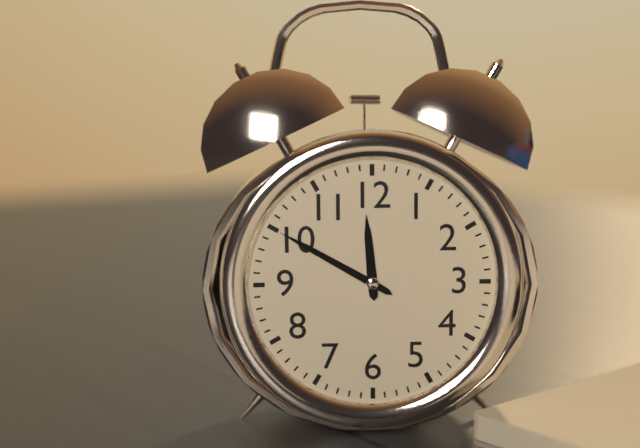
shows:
11,50
